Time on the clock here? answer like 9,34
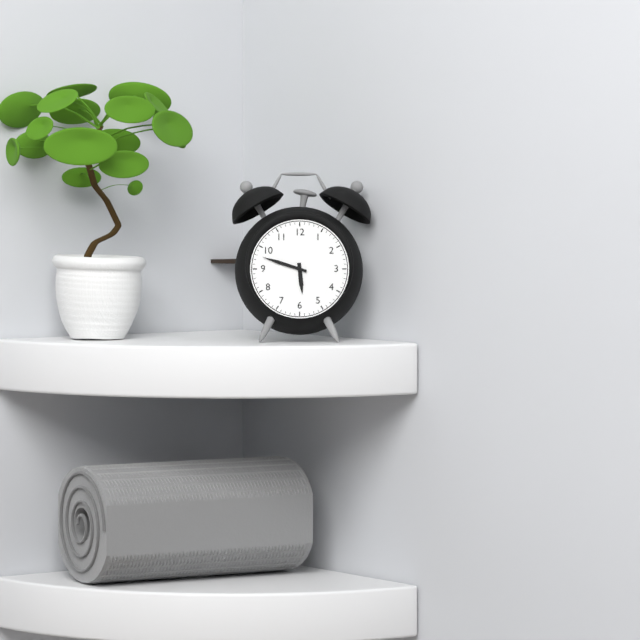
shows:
5,48
